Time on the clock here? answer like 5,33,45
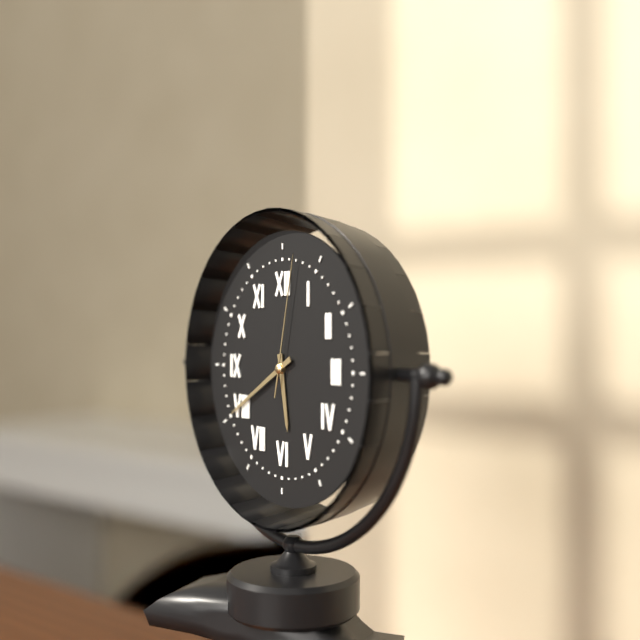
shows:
5,40,02
